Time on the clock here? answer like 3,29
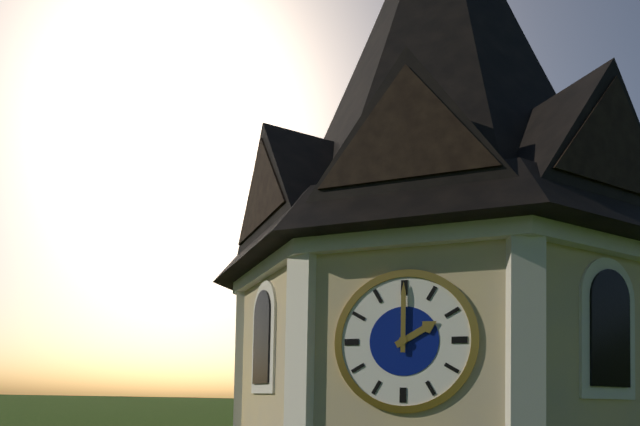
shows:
2,00
